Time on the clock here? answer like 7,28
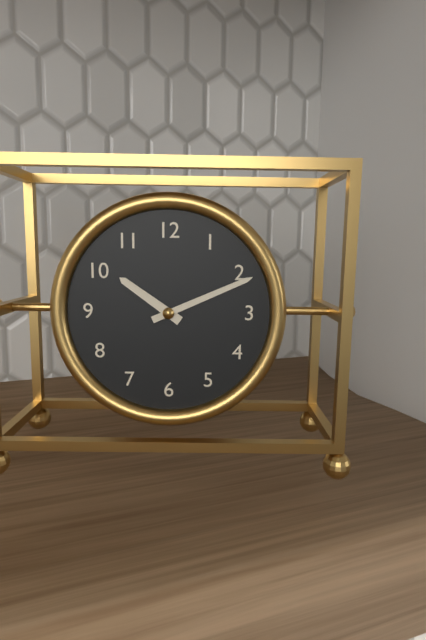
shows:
10,11
